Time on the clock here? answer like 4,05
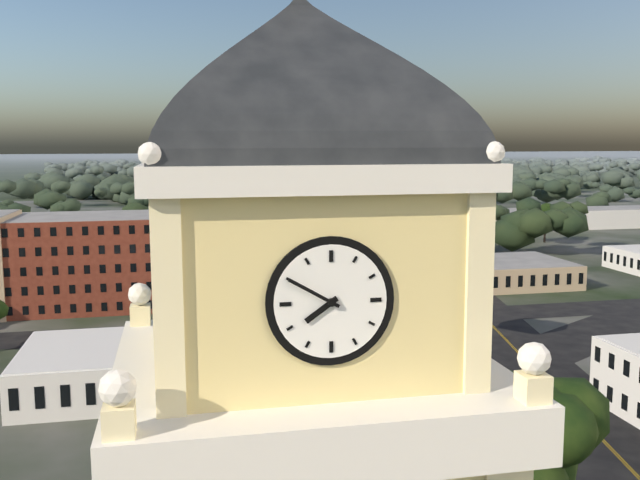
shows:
7,50
